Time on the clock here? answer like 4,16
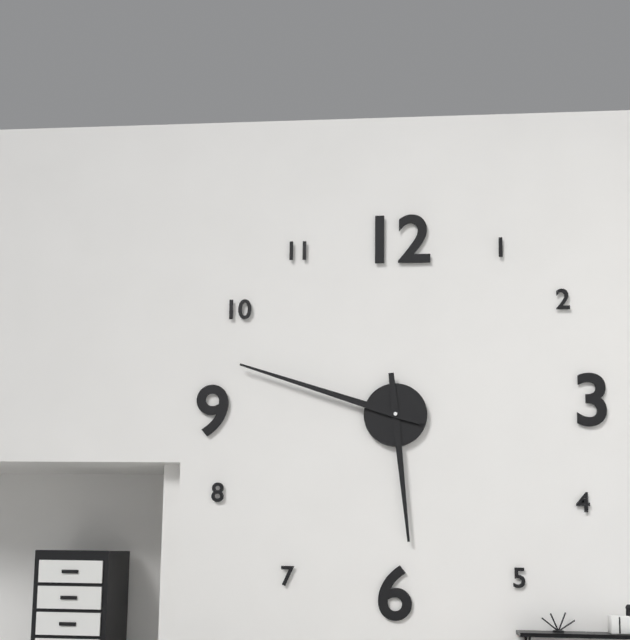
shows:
5,48
